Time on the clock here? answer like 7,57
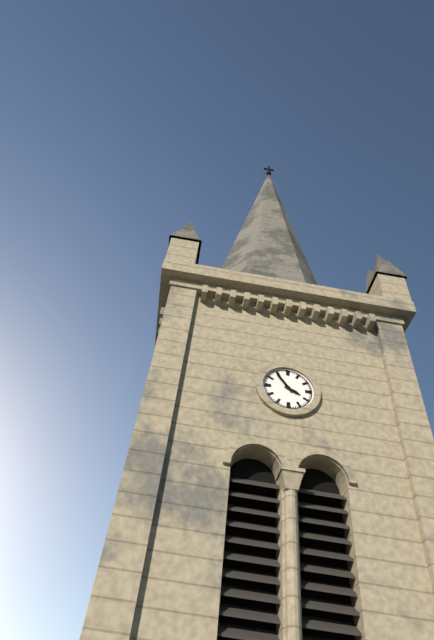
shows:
3,54
